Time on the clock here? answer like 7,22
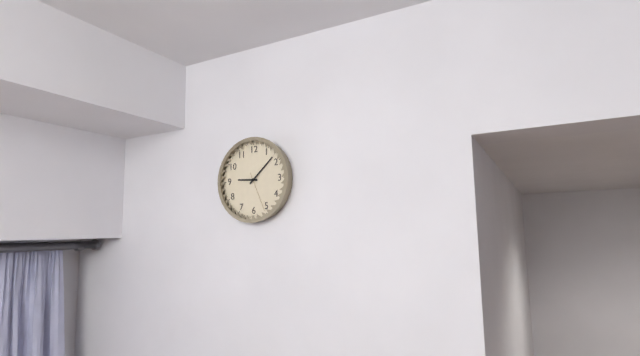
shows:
9,08
